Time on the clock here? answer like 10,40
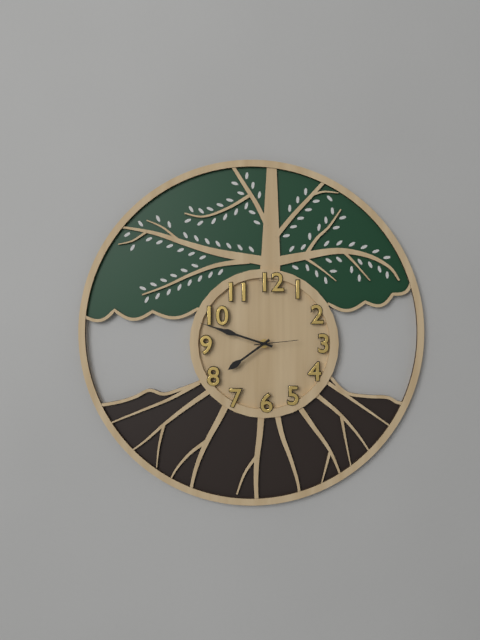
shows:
7,48
